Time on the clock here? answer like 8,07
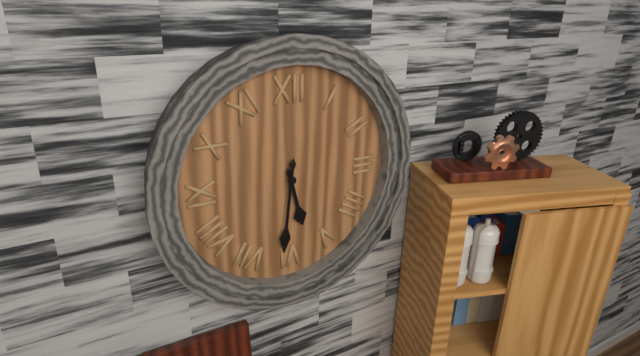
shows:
5,31
